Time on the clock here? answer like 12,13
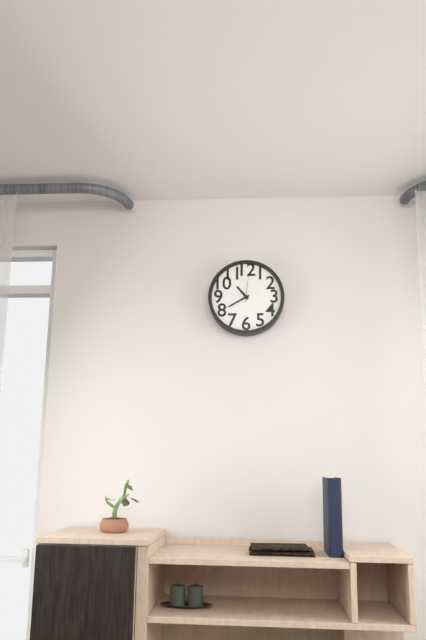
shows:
10,40
